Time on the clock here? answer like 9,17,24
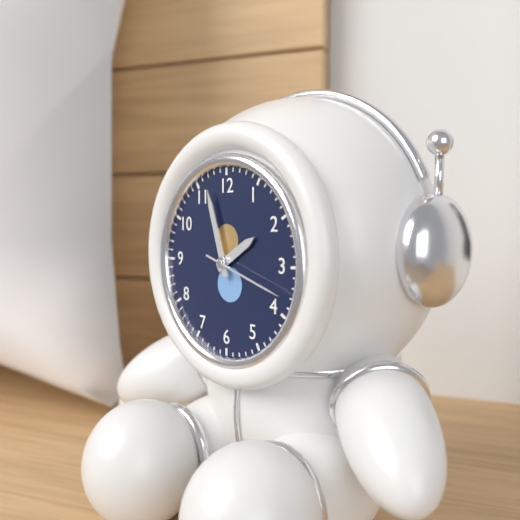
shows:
1,57,18
